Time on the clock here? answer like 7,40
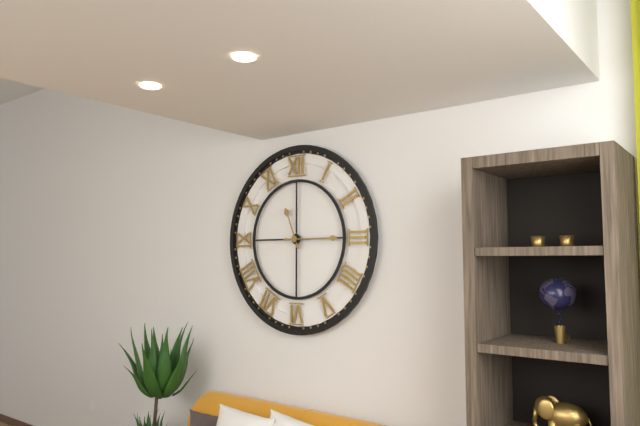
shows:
11,15
